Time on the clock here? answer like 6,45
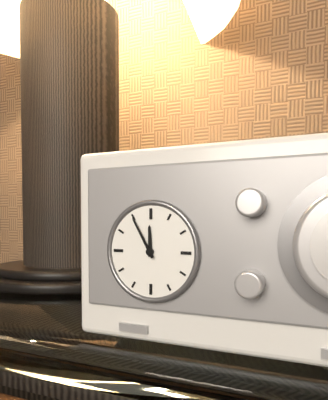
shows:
11,55
